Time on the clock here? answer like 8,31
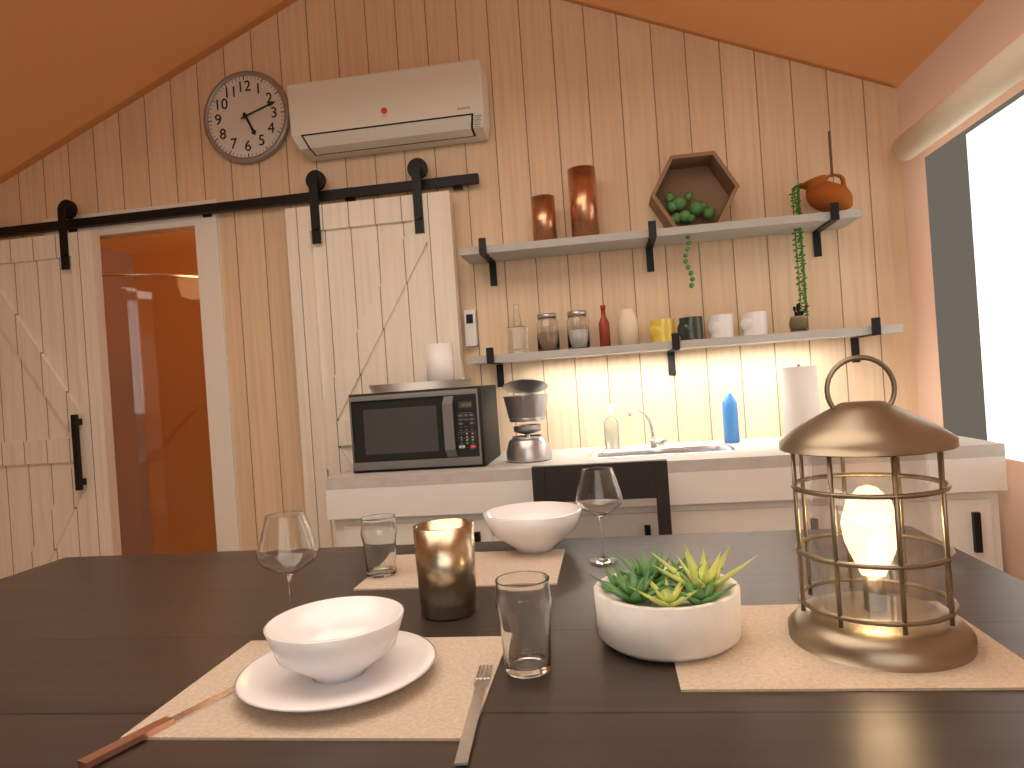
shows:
5,12
